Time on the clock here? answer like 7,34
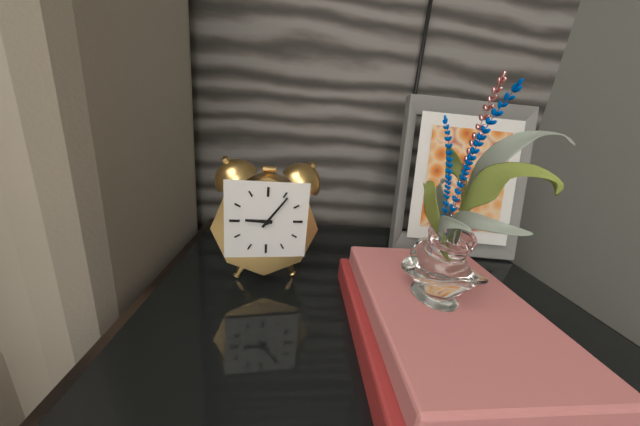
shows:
9,06
